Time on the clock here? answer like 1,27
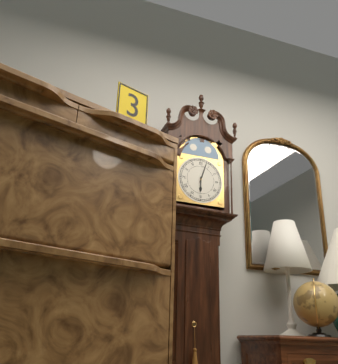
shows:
6,03
